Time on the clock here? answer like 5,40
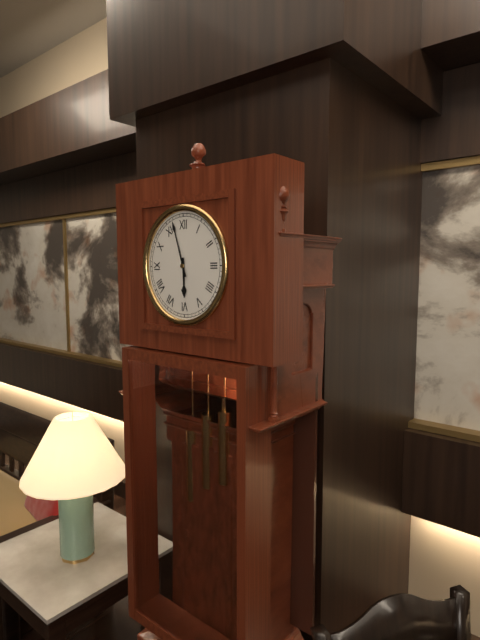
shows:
5,57
